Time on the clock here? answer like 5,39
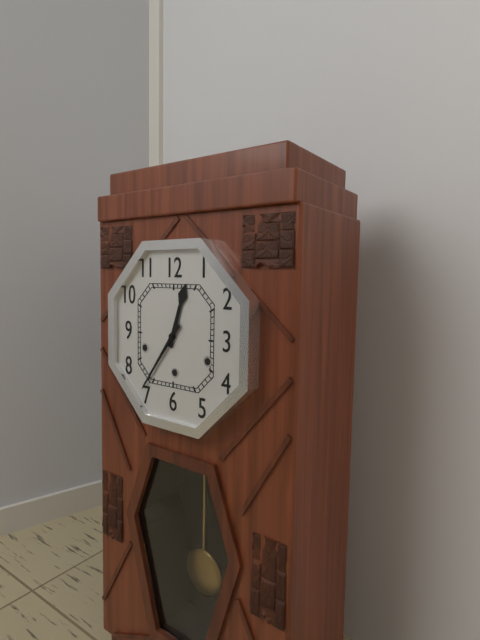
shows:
12,36
